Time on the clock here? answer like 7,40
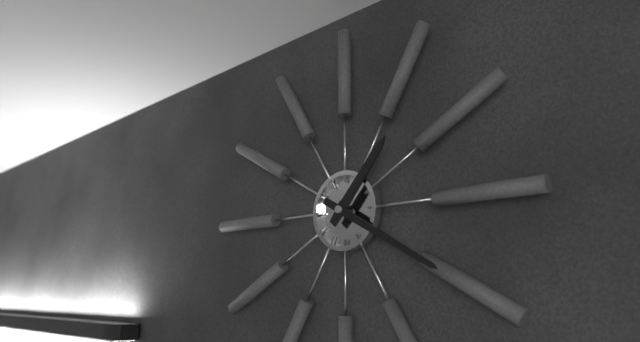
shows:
1,20
